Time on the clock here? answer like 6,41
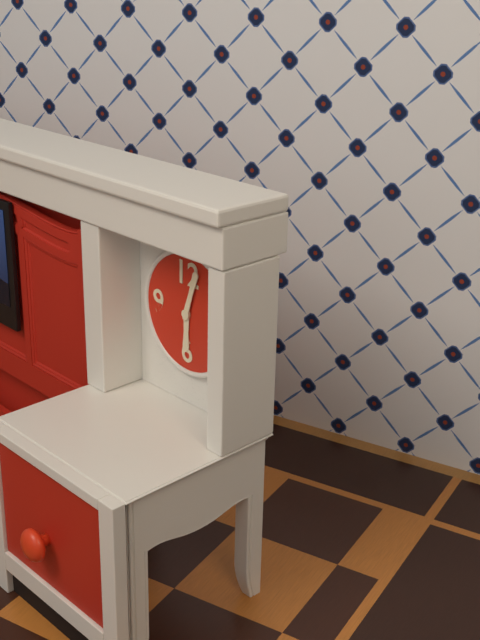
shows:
6,03
